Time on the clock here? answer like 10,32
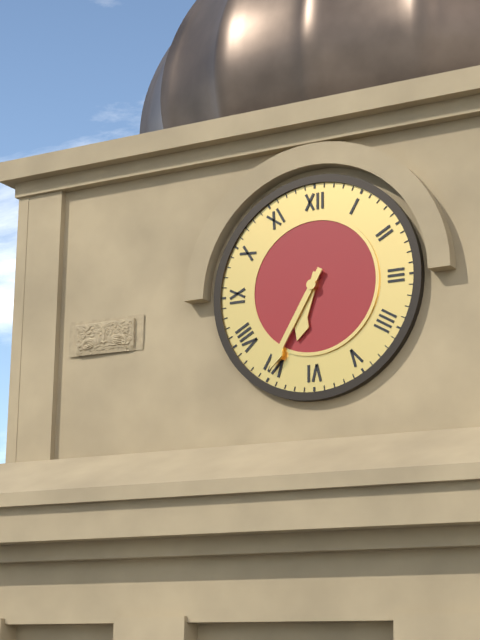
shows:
6,35
